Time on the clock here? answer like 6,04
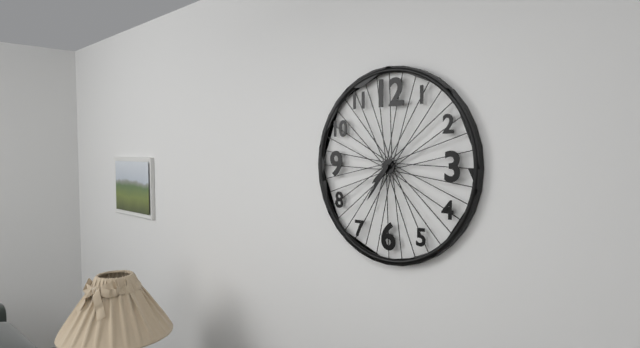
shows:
7,36
